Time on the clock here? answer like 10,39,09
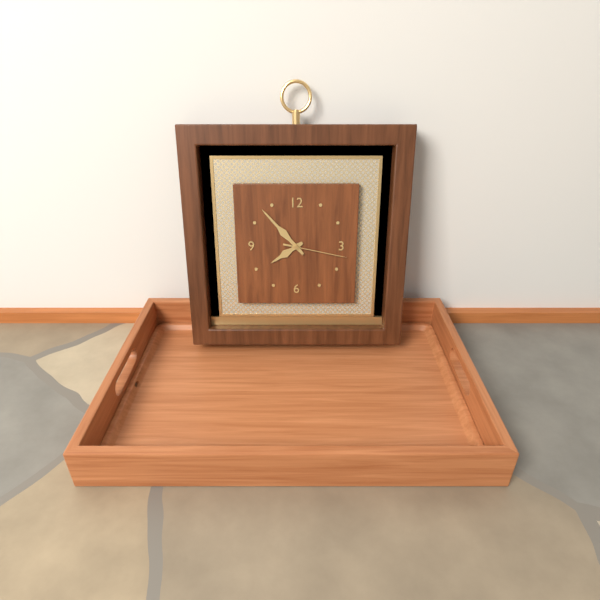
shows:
7,53,17
